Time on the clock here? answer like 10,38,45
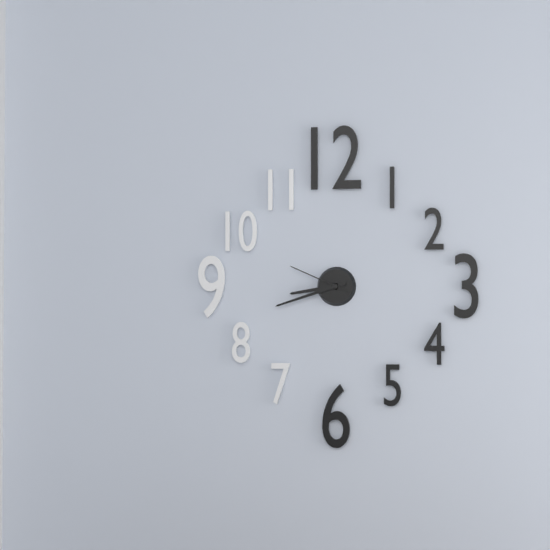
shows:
8,42,49
